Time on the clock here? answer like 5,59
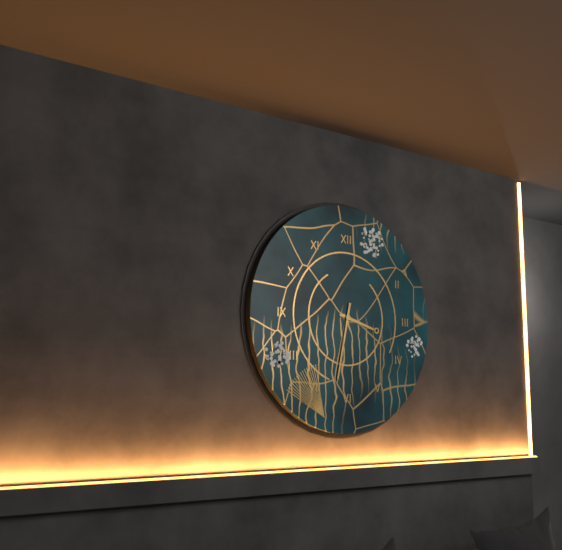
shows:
3,32
